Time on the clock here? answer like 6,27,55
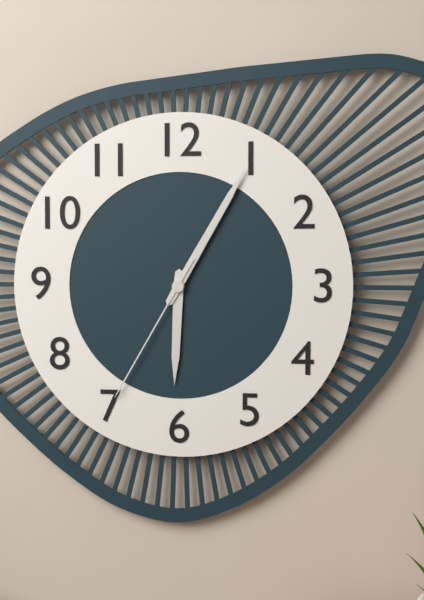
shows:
6,05,35
